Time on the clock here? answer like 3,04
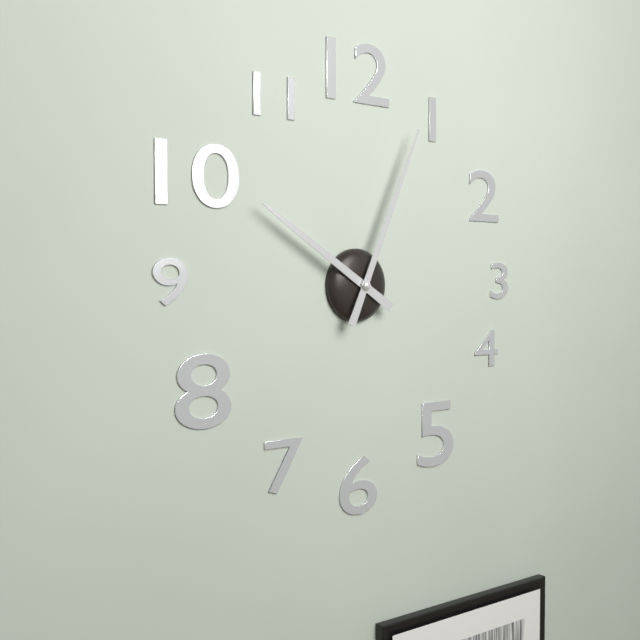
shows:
10,04
